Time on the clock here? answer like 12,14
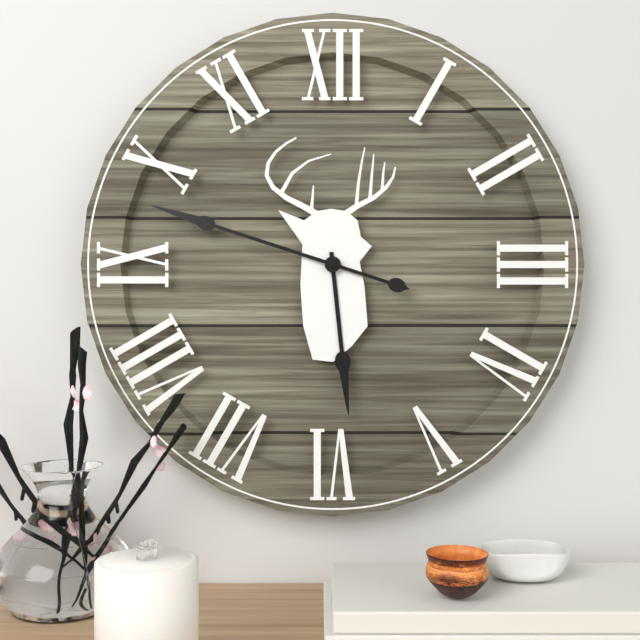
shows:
5,48
